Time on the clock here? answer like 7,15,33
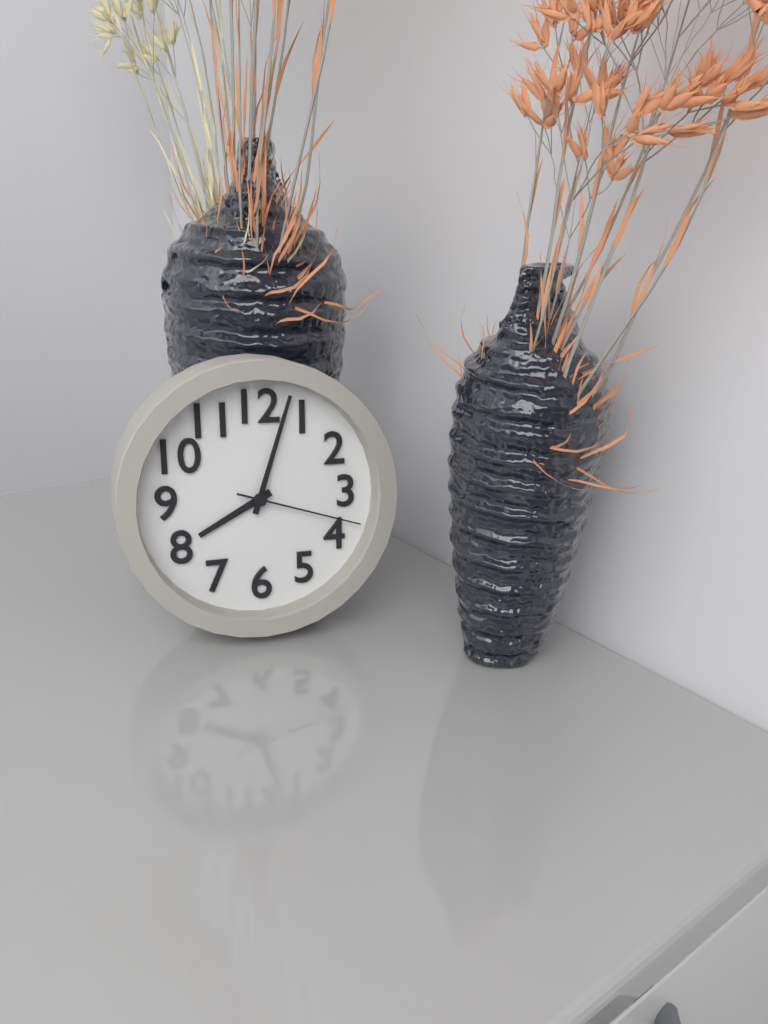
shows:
8,03,18
